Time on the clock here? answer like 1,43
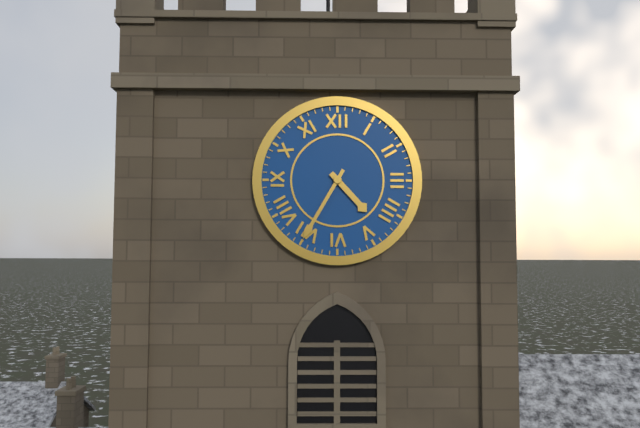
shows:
4,35
